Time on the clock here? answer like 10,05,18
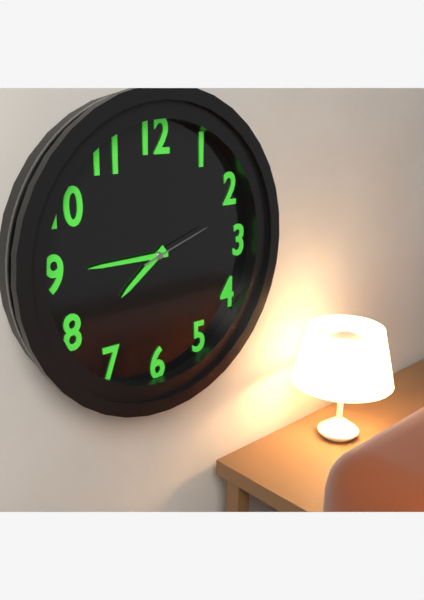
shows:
7,45,12
